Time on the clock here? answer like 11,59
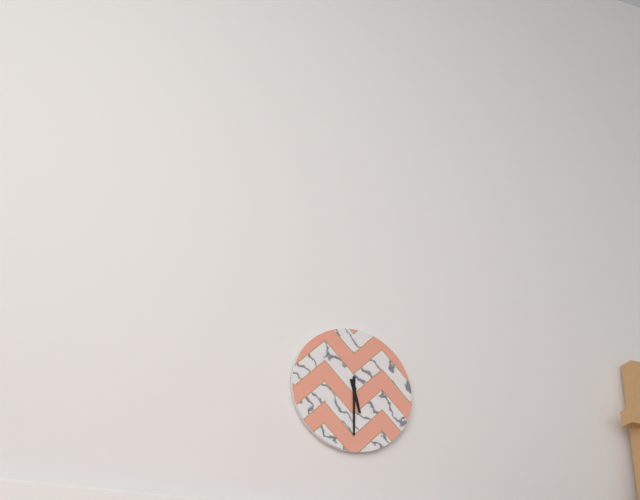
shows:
5,30
